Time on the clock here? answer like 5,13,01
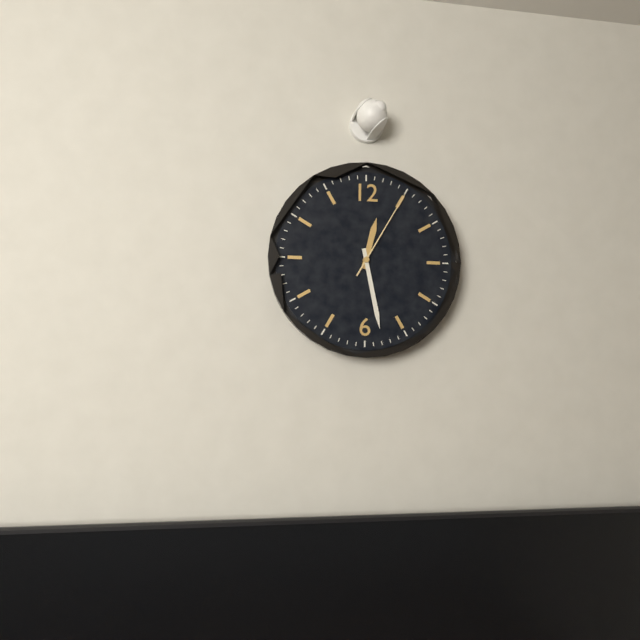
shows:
12,28,05
